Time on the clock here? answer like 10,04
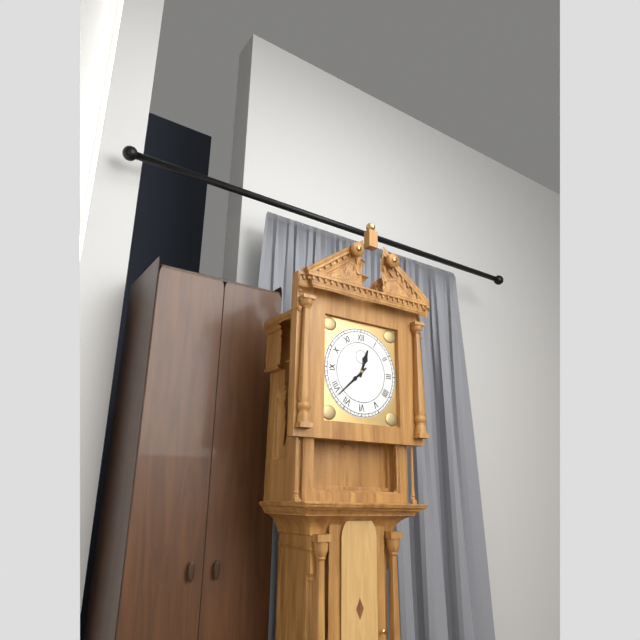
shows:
12,38
